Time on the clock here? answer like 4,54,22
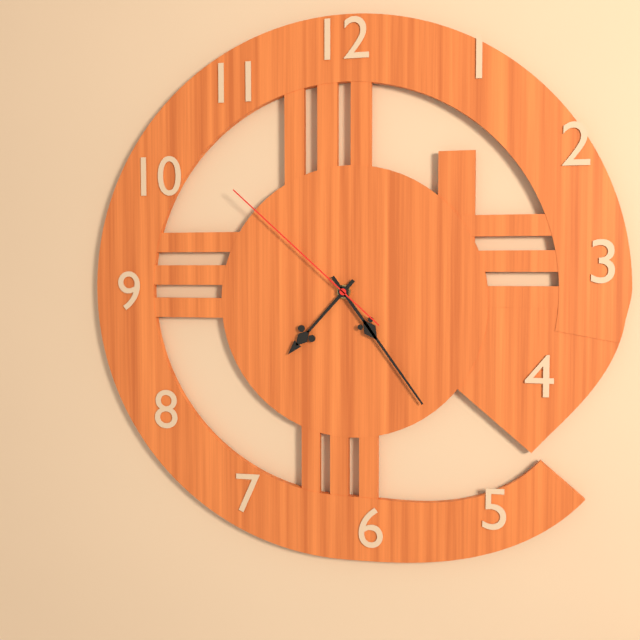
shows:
7,24,52
